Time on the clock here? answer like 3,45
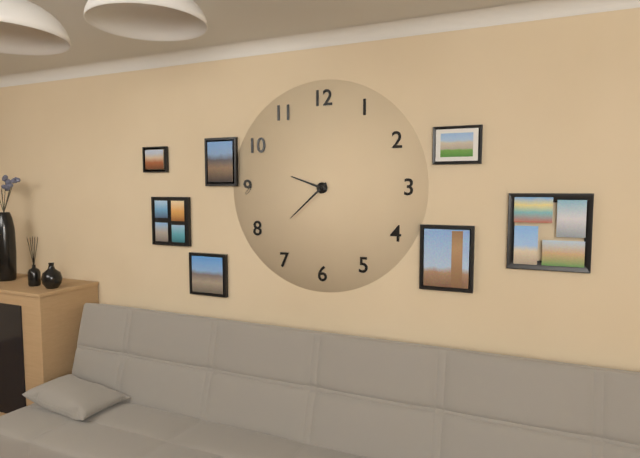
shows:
9,38
